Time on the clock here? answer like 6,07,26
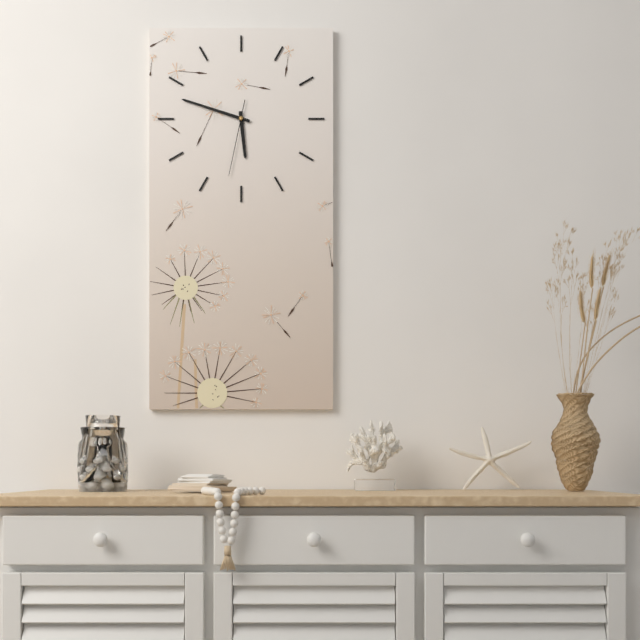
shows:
5,48,32
